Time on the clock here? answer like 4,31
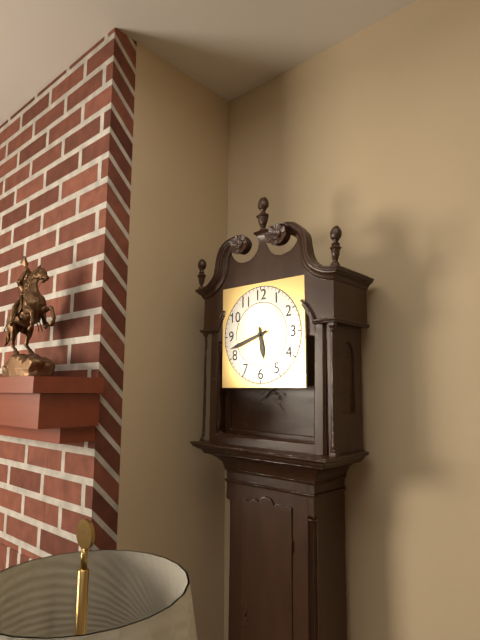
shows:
5,42
